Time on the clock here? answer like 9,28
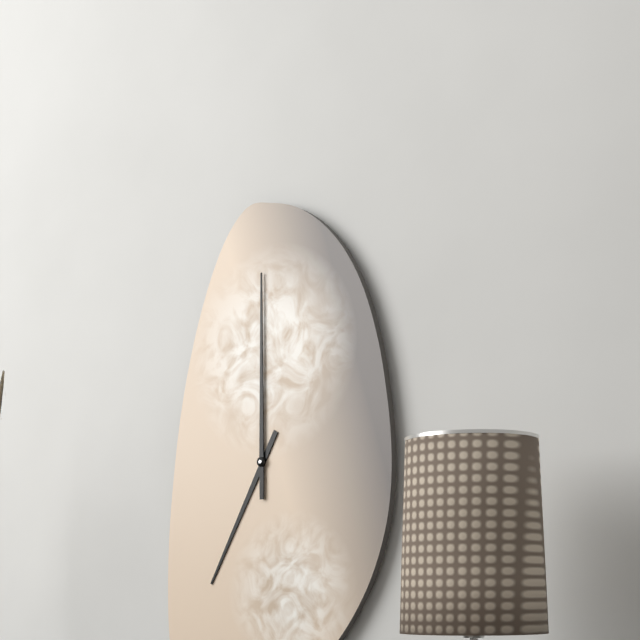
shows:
7,00
